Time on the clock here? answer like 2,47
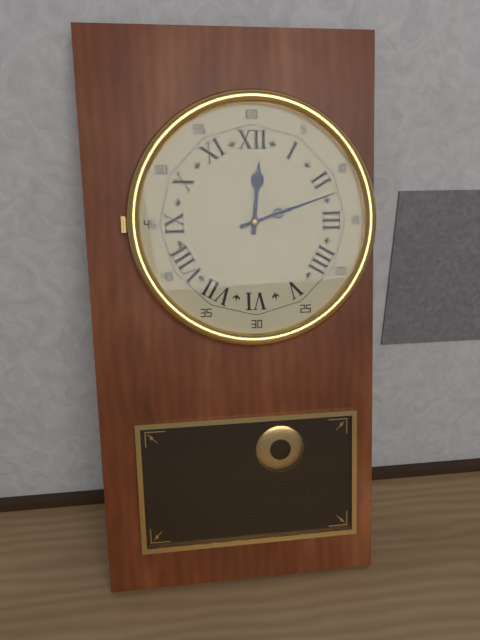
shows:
12,12
